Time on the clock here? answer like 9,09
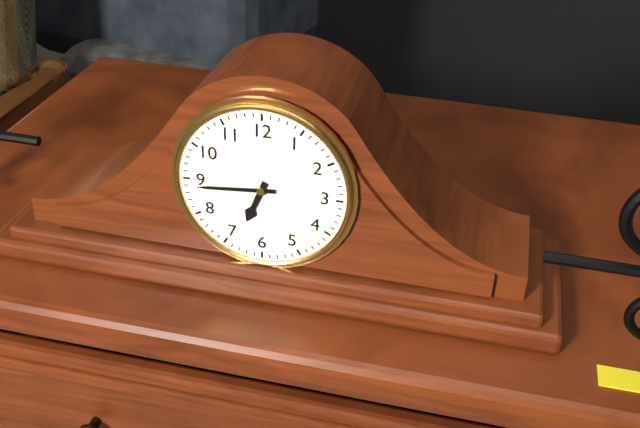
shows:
6,44
